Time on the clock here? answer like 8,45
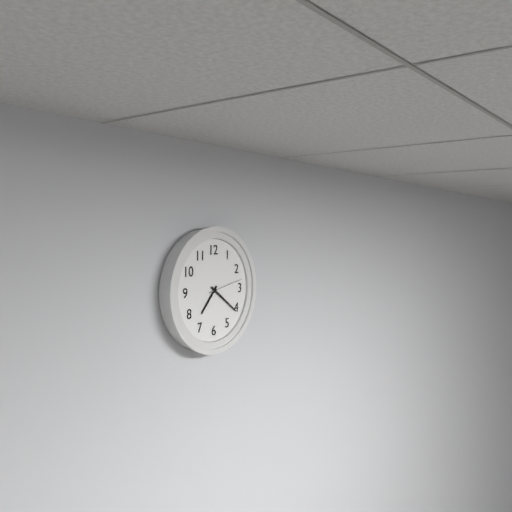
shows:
7,21
